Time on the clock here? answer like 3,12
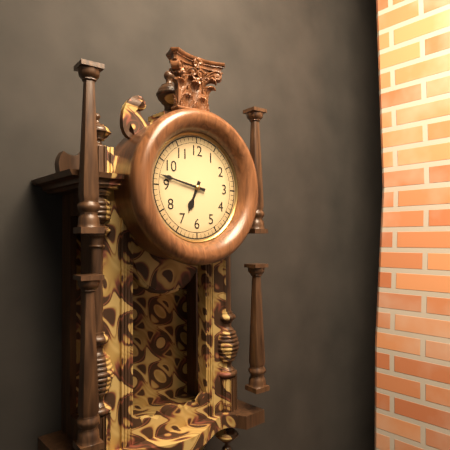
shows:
6,47
